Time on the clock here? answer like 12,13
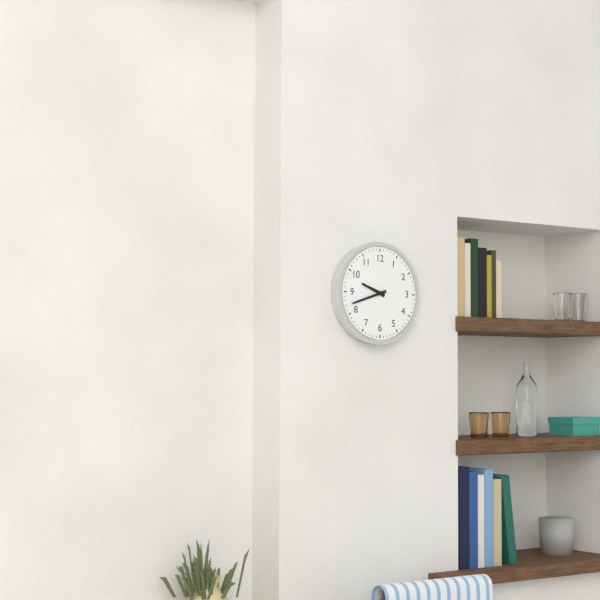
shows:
9,42
